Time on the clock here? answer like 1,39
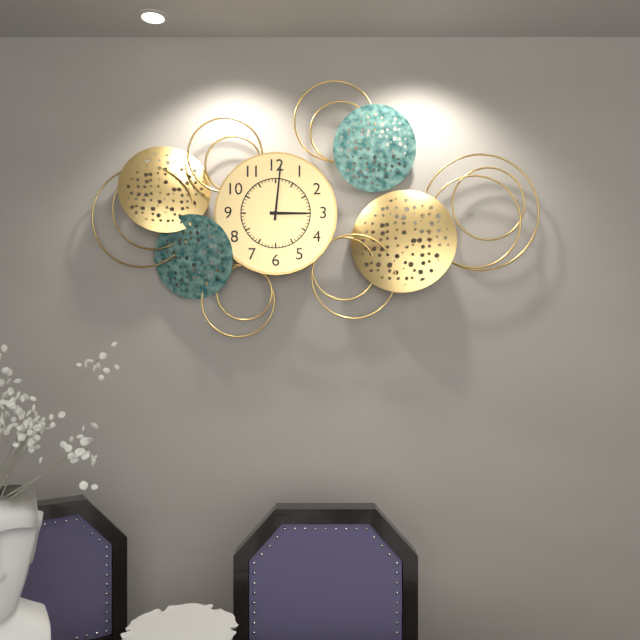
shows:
3,01
